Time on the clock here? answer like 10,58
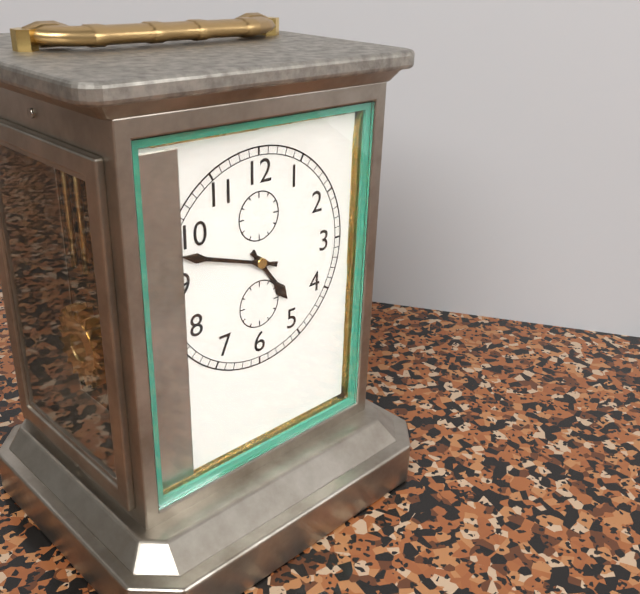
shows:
4,48
